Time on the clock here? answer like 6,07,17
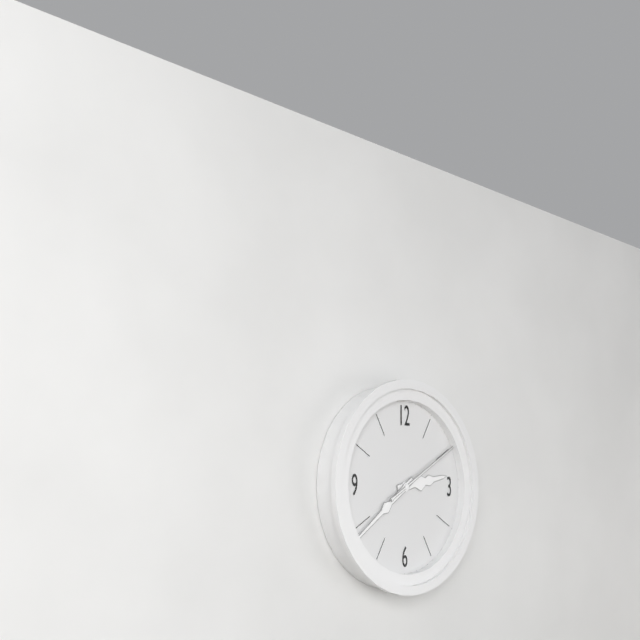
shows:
2,39,10
